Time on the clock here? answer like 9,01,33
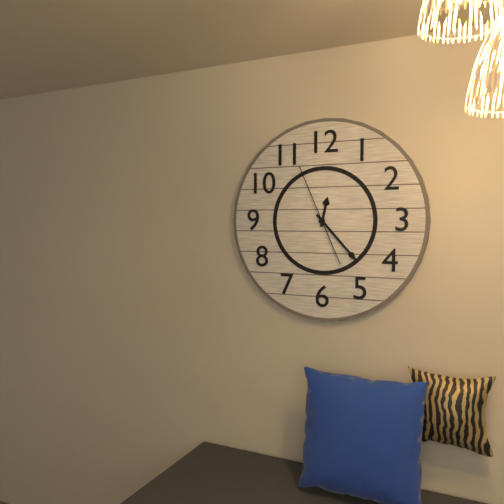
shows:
12,23,56
